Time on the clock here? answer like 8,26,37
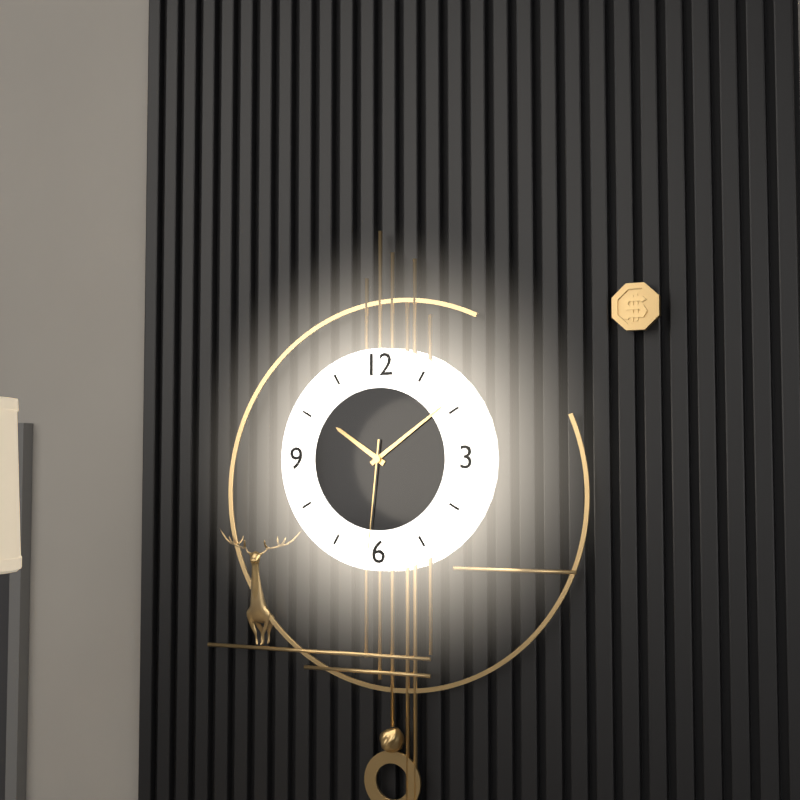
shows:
10,09,31
